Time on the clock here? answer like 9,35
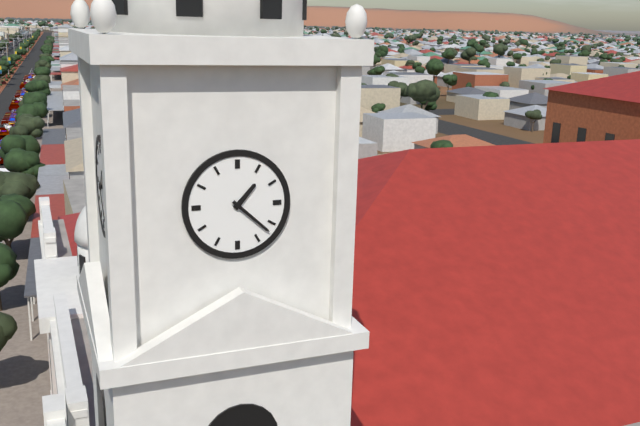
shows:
1,22
